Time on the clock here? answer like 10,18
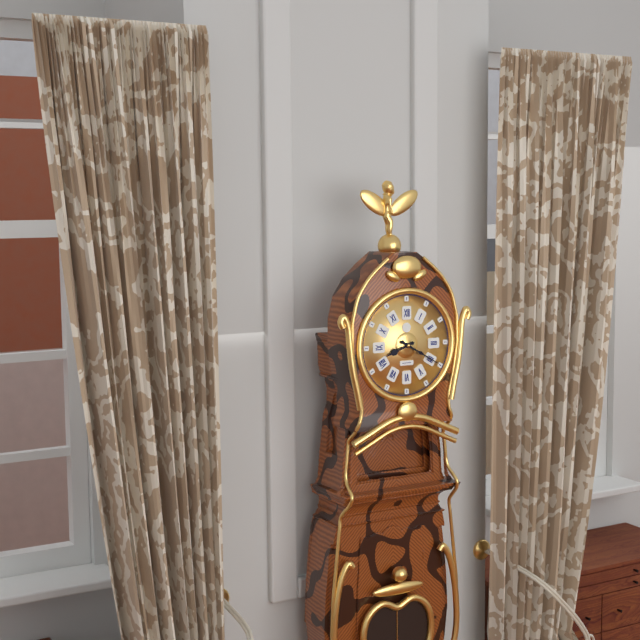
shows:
8,20
